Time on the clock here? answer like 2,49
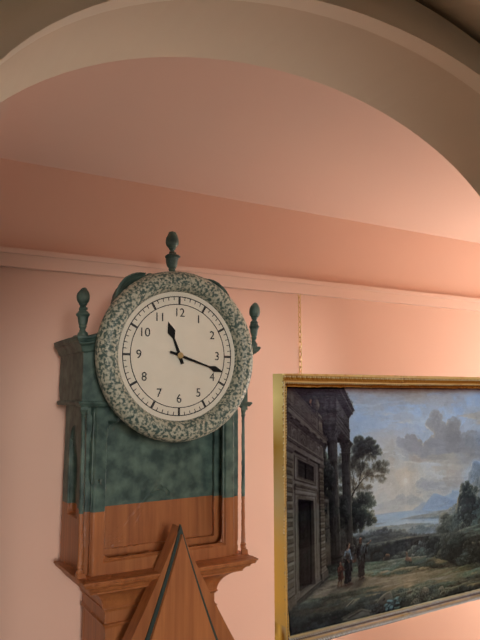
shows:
11,18
